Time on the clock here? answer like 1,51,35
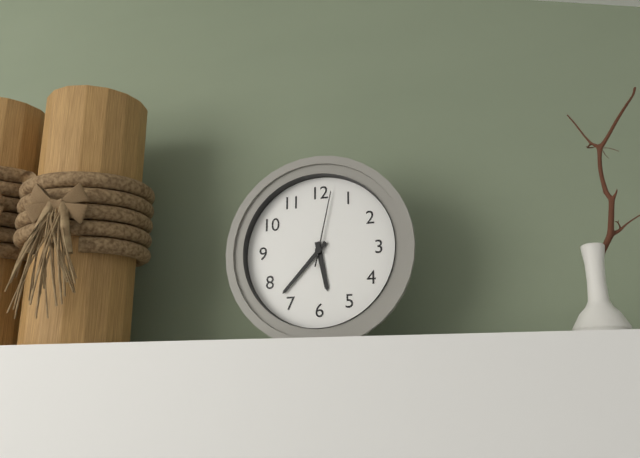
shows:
5,37,02
